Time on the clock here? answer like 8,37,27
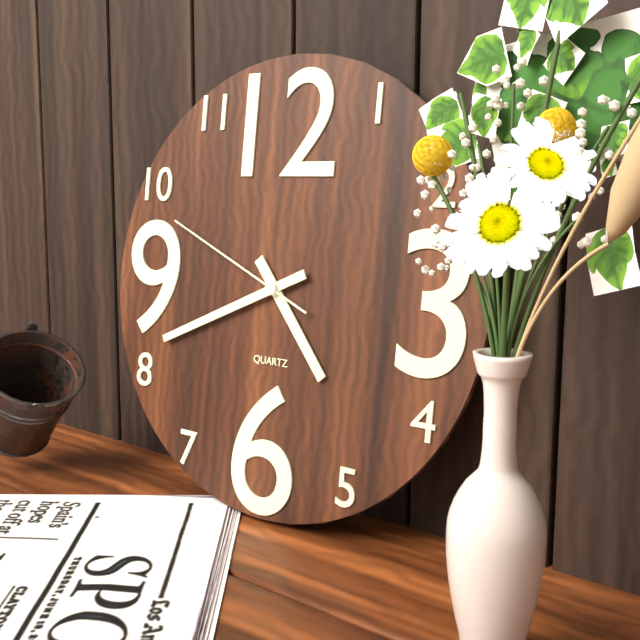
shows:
4,41,49
